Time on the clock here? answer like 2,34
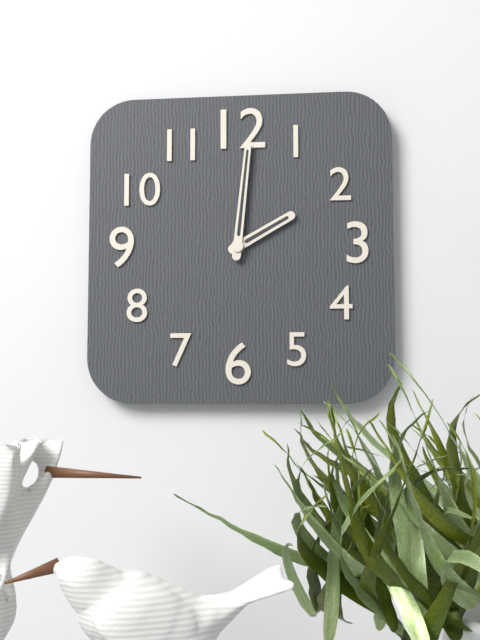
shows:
2,01
